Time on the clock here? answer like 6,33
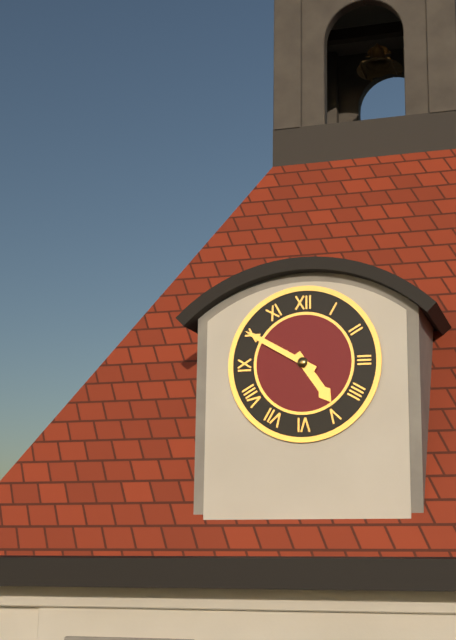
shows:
4,50
